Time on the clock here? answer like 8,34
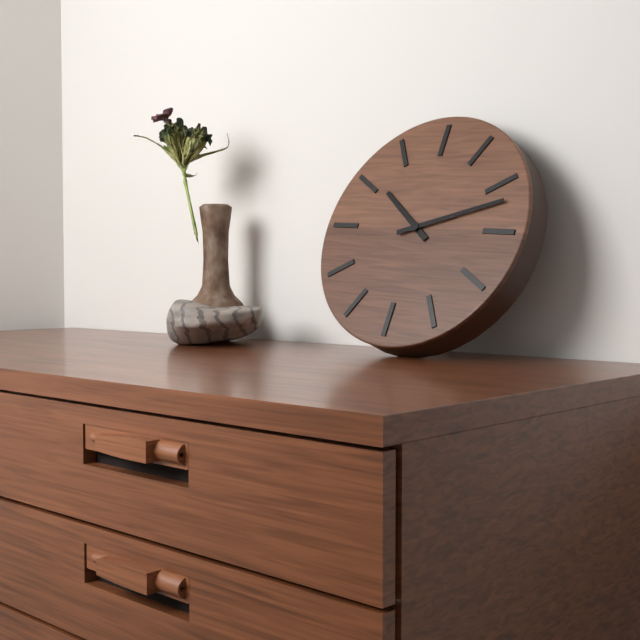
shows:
10,12
